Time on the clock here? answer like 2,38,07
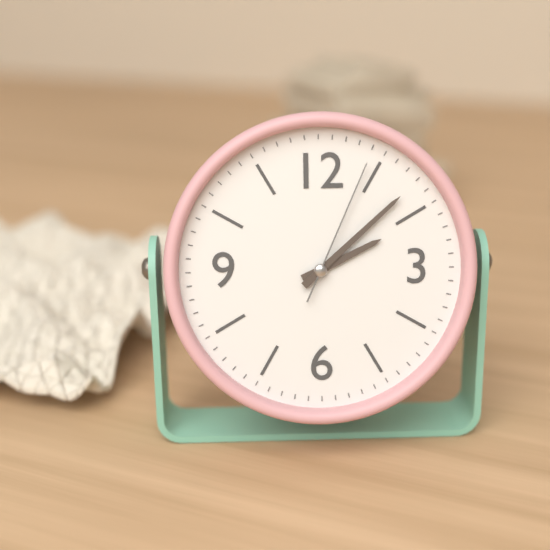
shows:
2,08,04
